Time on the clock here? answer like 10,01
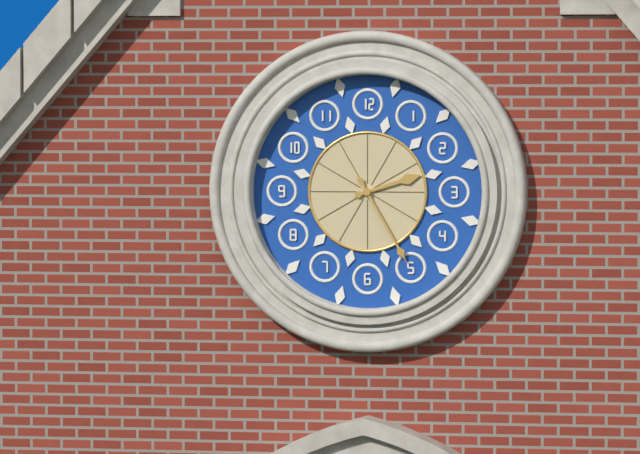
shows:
2,25
